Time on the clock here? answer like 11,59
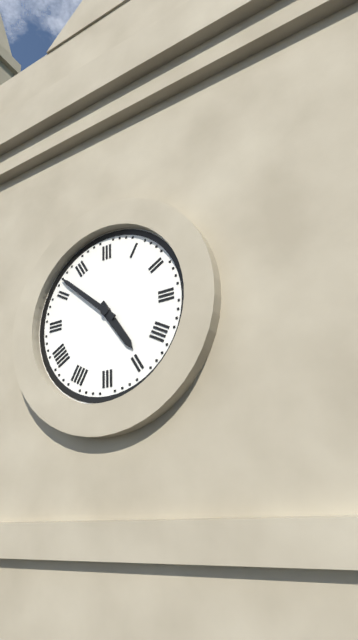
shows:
4,52
